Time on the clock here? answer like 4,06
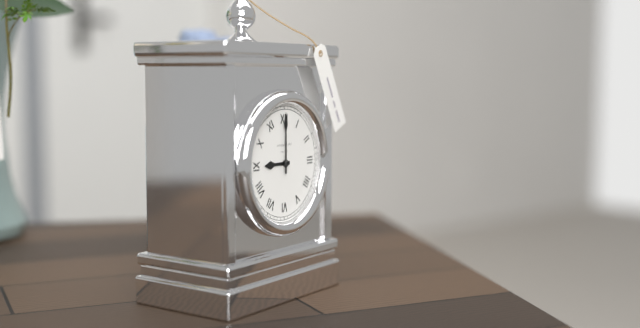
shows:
9,00
